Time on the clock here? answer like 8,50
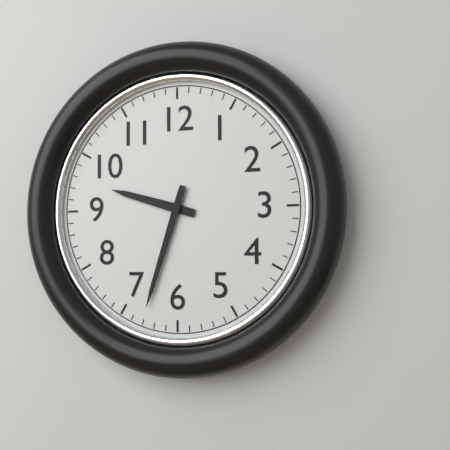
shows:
9,33
